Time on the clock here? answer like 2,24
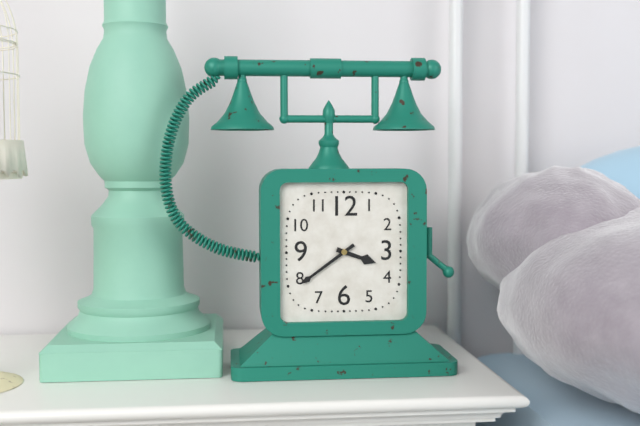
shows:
3,39
